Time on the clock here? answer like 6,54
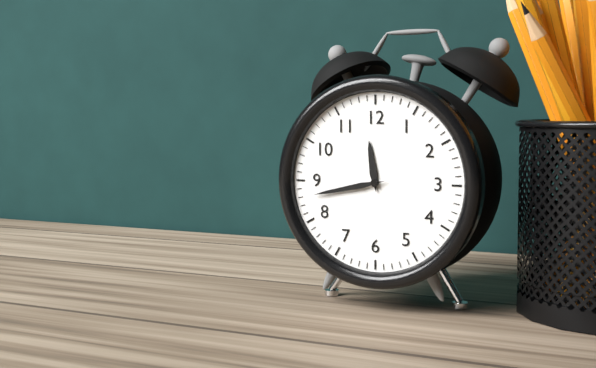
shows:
11,43
